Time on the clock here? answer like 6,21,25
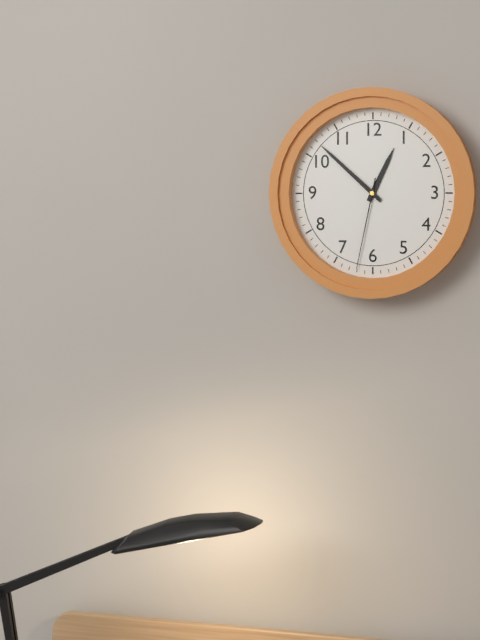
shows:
12,52,32
